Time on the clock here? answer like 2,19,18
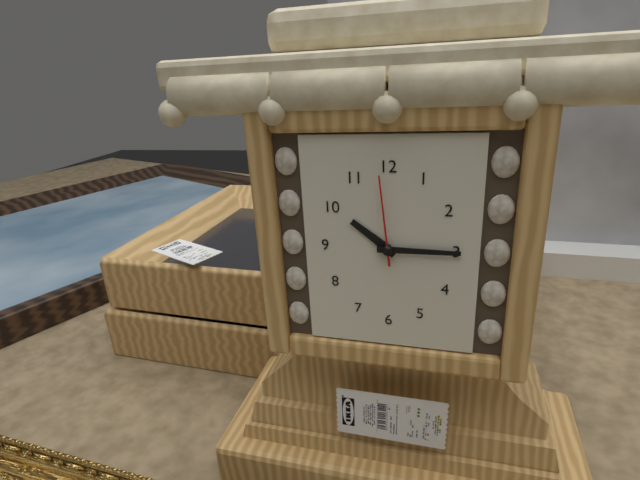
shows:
10,15,59
